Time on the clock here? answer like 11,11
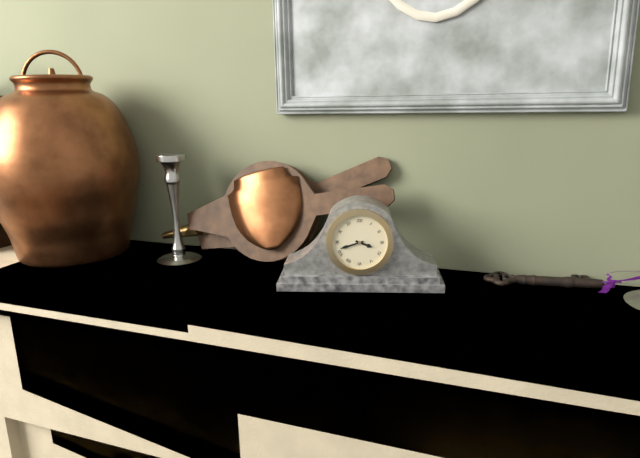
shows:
3,42
